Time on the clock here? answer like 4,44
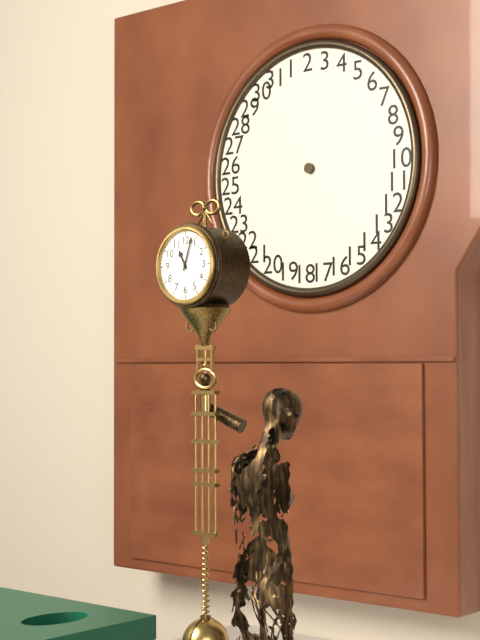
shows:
11,03
